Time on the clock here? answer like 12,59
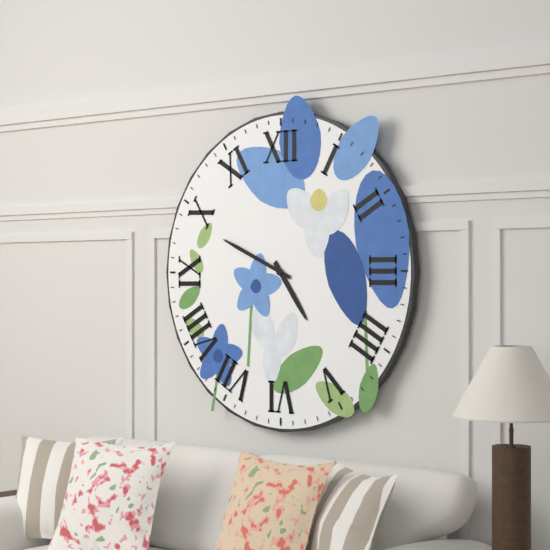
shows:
4,49
